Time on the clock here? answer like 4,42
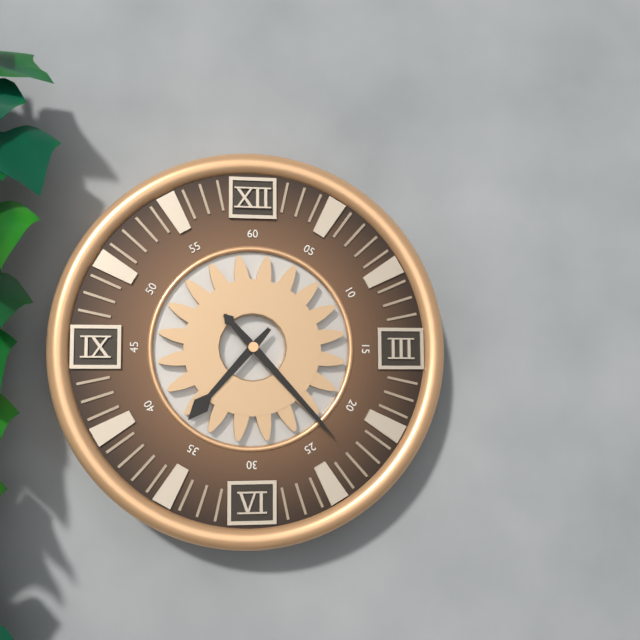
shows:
7,23
